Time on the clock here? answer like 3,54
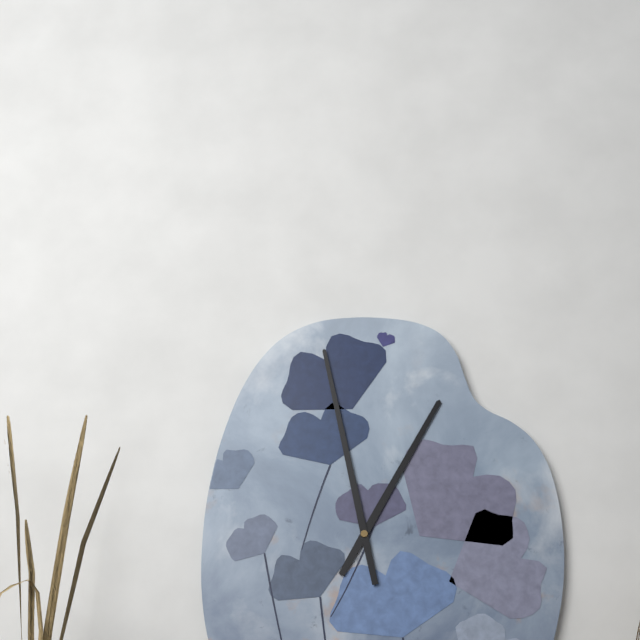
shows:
12,58
